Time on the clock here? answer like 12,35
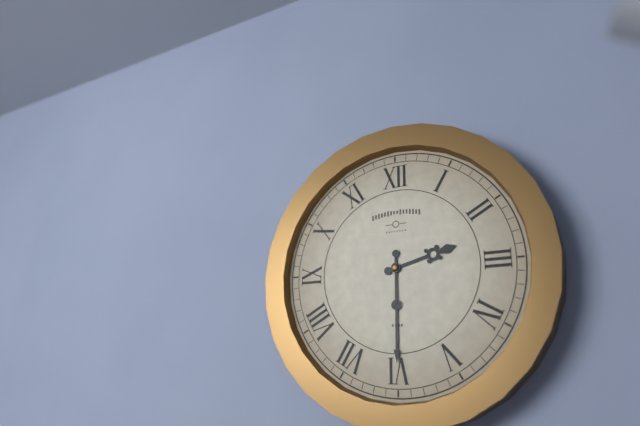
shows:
2,30
